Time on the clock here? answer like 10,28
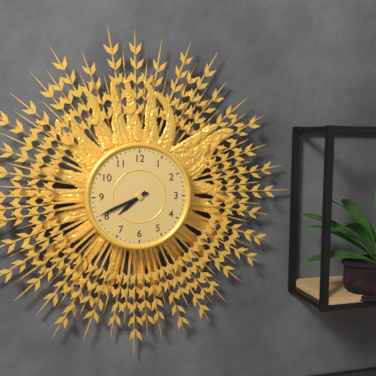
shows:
7,41
